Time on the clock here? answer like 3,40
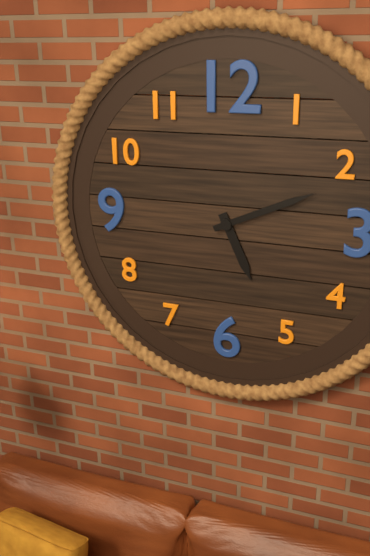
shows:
5,11
